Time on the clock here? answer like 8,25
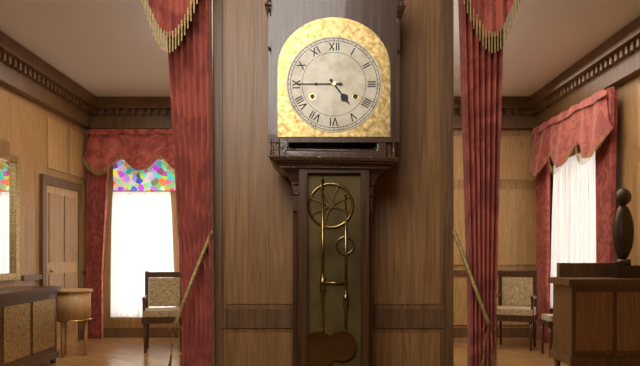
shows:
4,45
